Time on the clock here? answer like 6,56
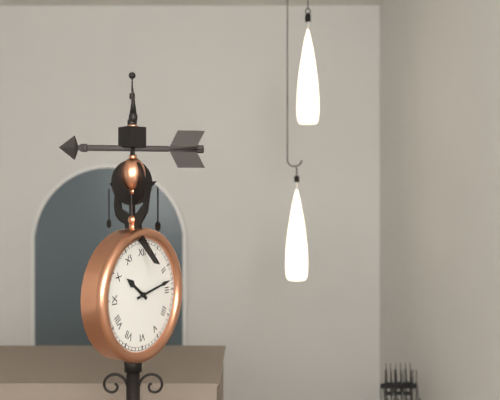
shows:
10,13
